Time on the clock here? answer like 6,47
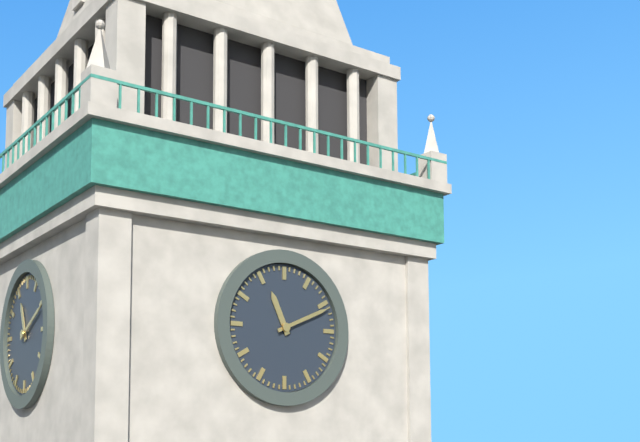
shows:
11,11
